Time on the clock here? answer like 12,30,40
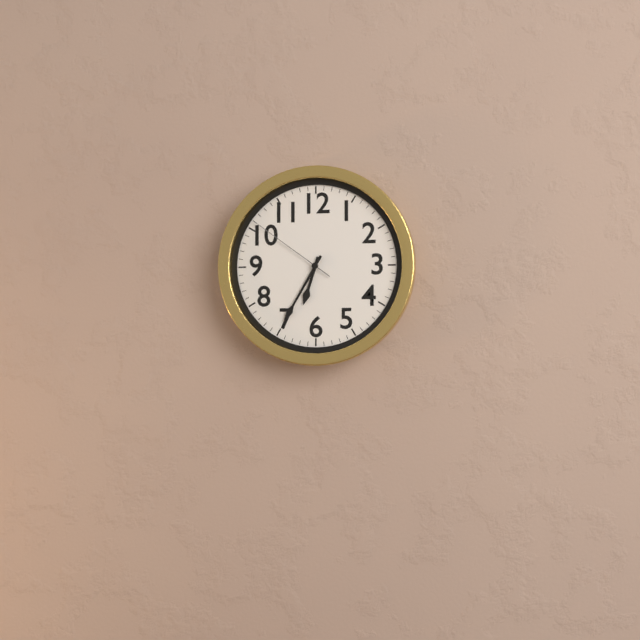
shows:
6,35,51
